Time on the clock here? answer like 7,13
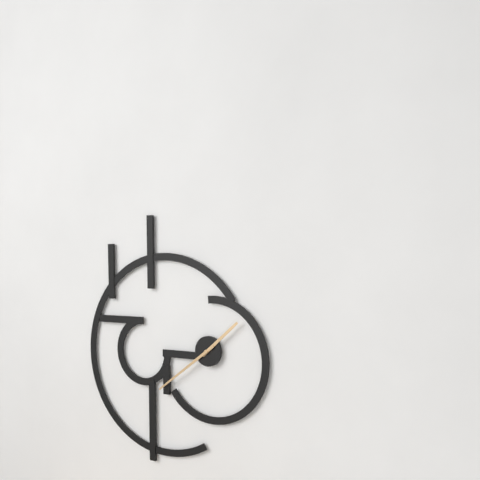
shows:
1,39
